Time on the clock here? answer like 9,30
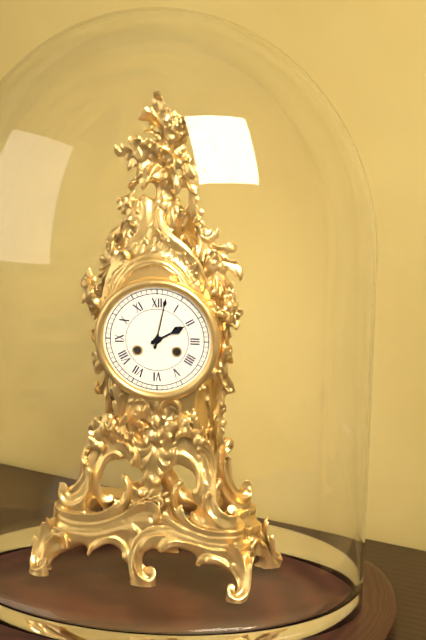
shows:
2,02
